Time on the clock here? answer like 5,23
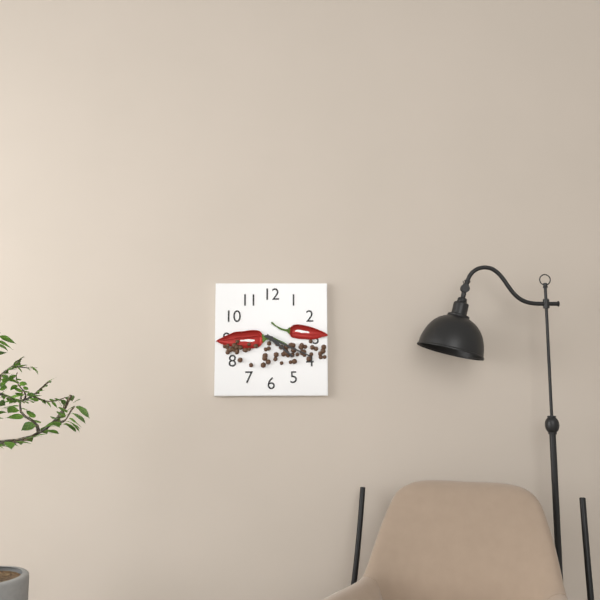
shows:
4,19
